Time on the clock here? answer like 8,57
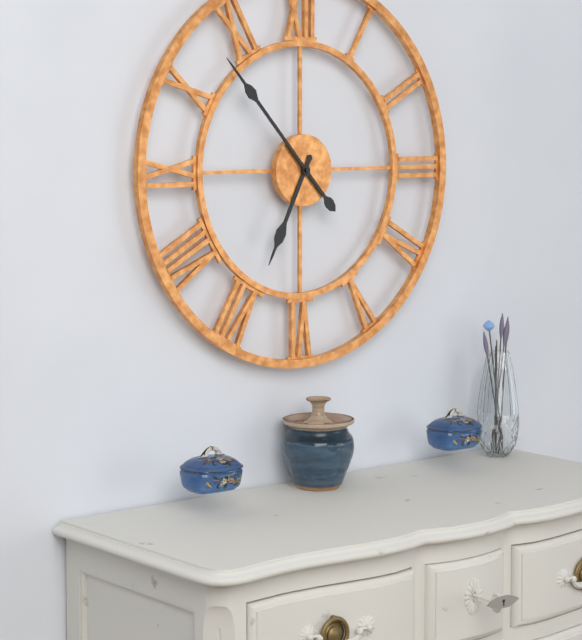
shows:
6,53
